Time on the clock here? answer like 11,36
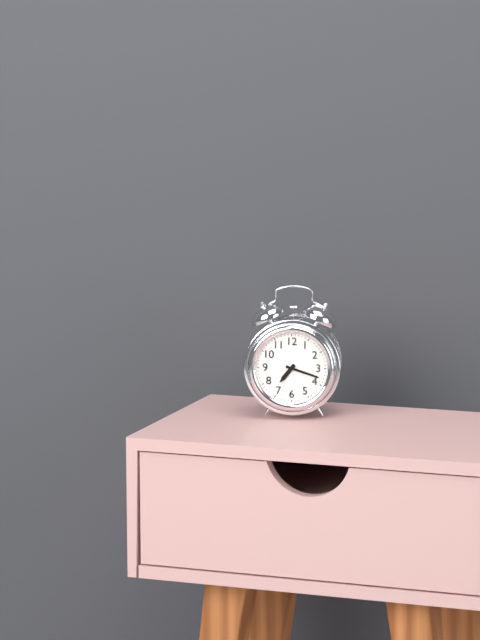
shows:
7,18
